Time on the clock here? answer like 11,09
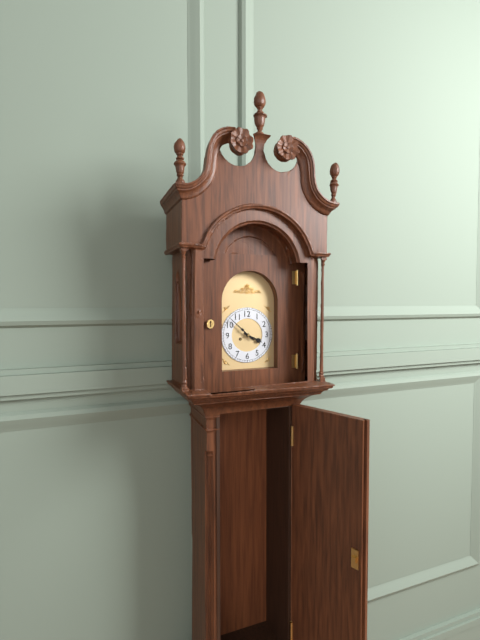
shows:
3,52
